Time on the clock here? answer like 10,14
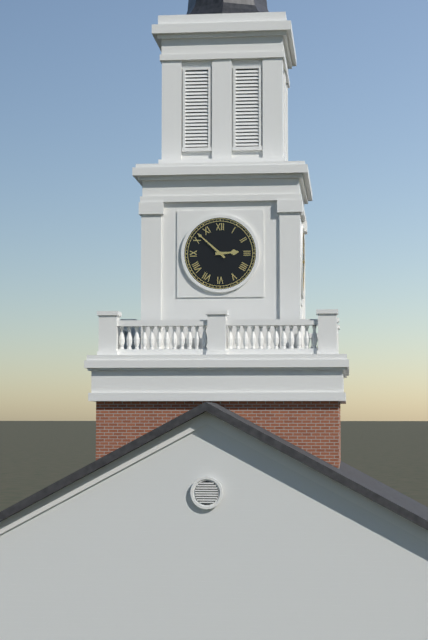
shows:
2,52
